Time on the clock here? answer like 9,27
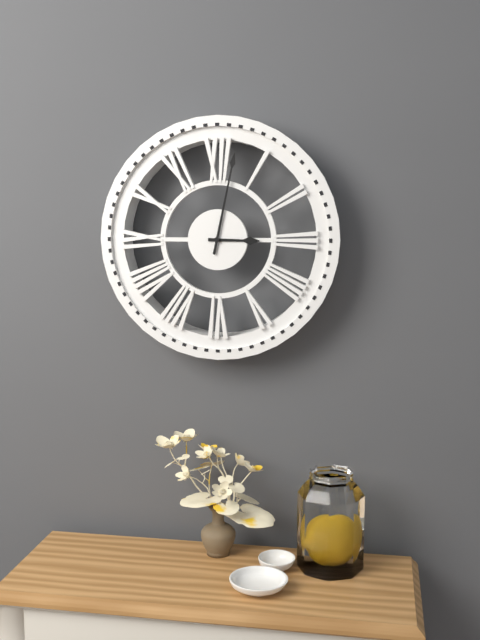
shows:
3,02
